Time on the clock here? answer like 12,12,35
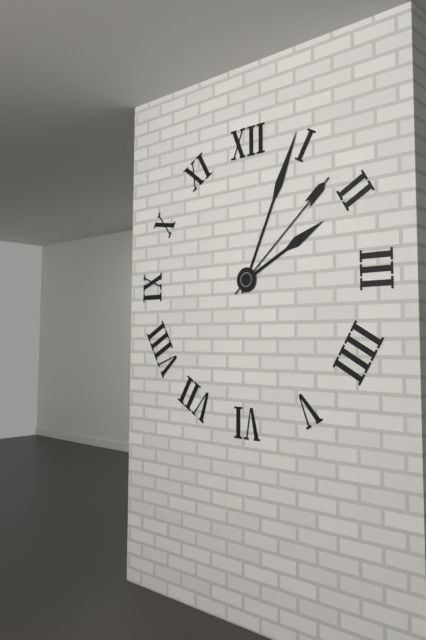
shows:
2,04,08
